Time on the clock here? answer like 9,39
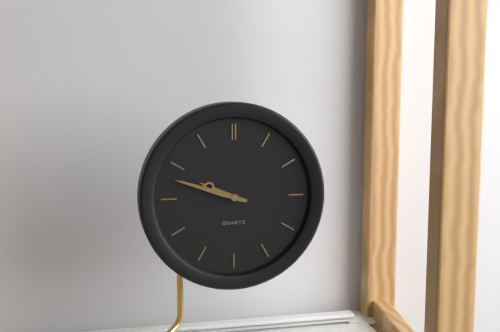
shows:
9,48
